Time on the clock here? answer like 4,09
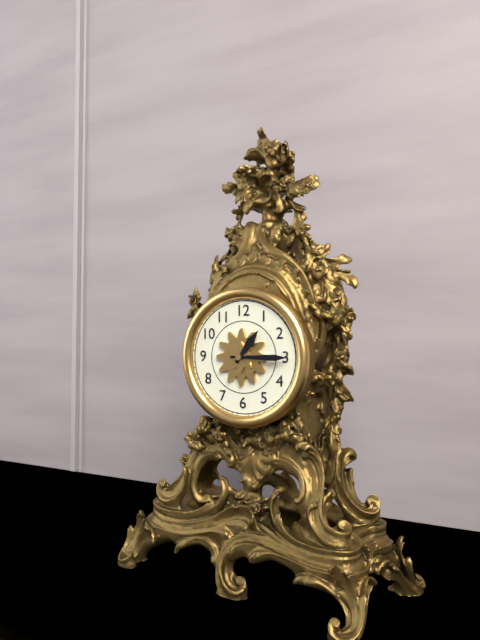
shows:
1,15
